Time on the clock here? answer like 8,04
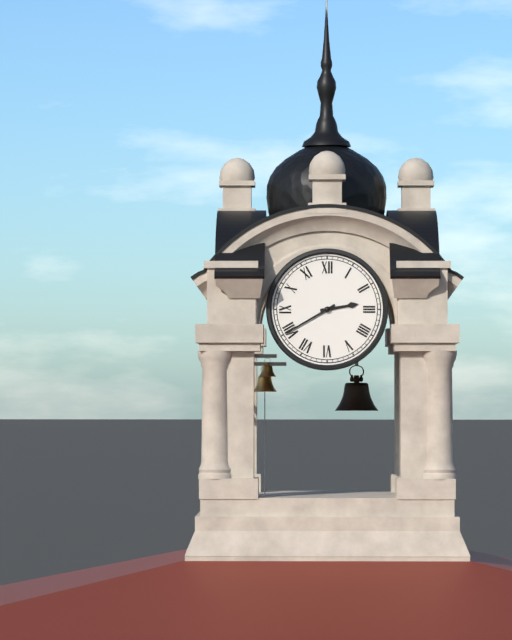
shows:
2,40
